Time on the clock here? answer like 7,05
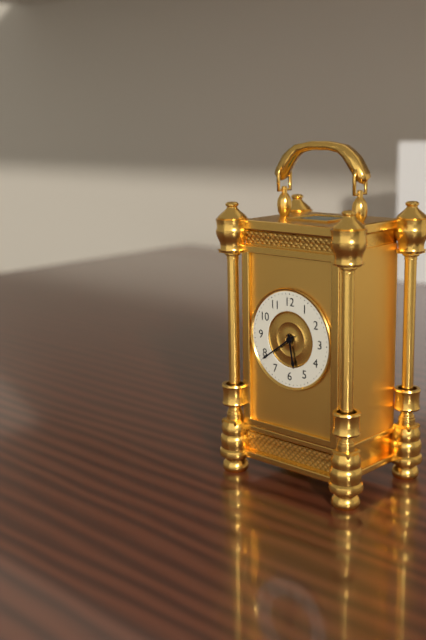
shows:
5,39
